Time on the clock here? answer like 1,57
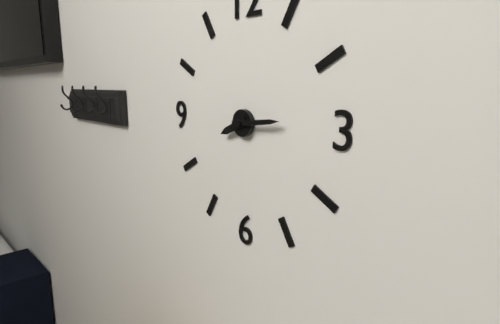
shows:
8,14
